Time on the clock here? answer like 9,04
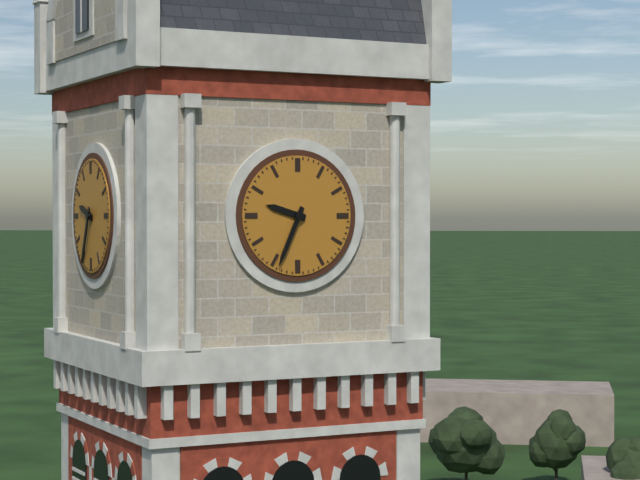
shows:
9,34
